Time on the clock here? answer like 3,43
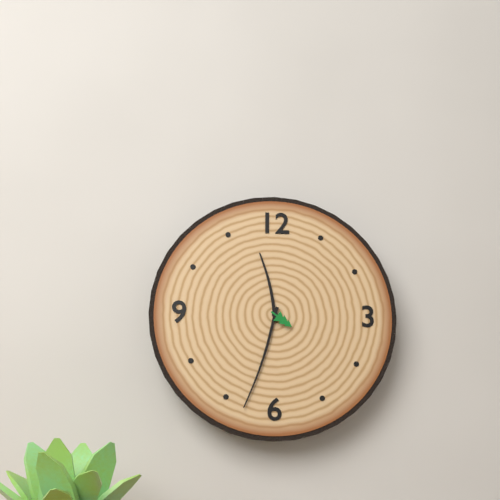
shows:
11,33
